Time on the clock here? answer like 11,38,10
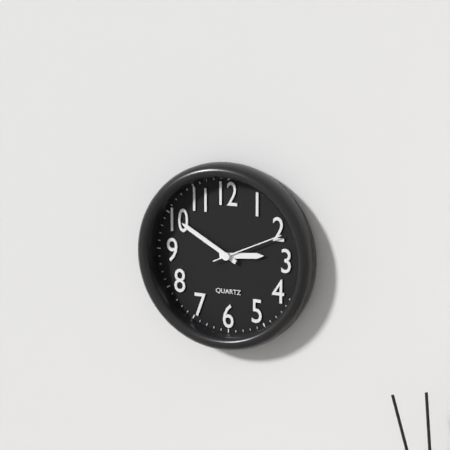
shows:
2,50,11
